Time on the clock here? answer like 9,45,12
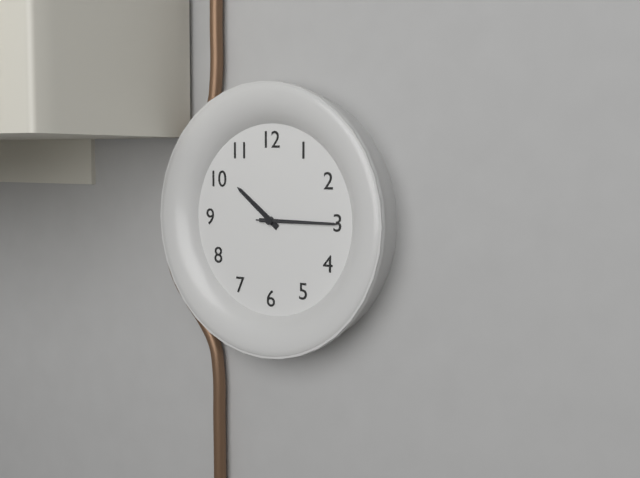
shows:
10,15,15
